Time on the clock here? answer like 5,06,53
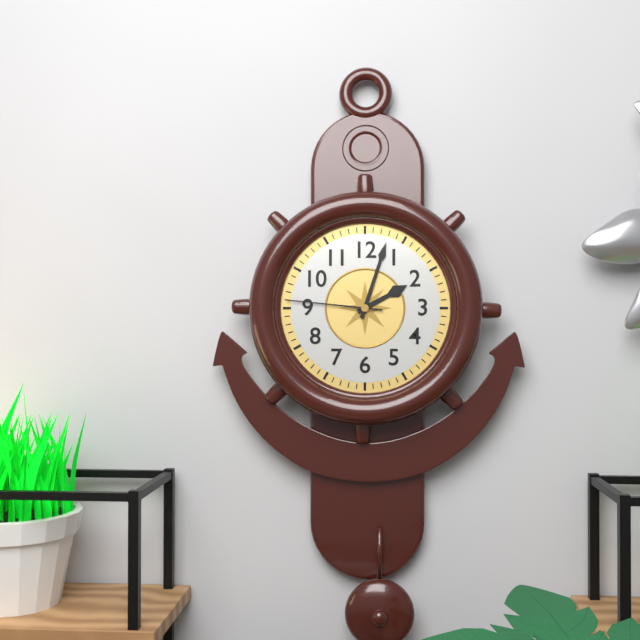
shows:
2,03,46
